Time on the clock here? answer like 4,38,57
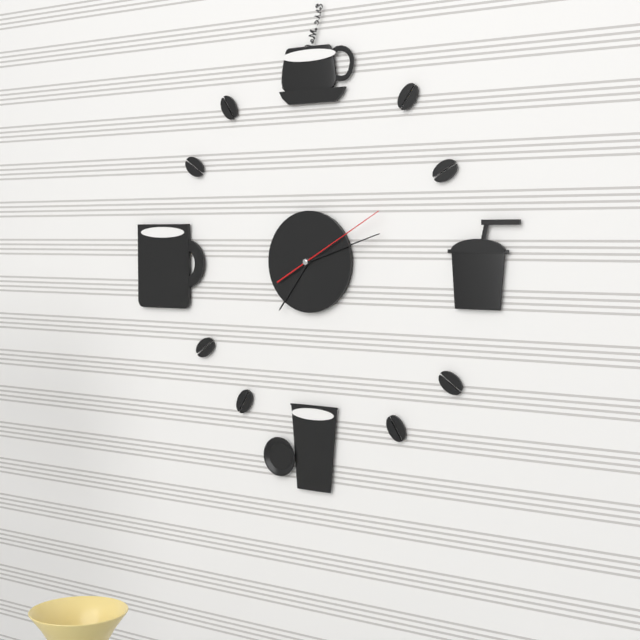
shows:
7,12,10
